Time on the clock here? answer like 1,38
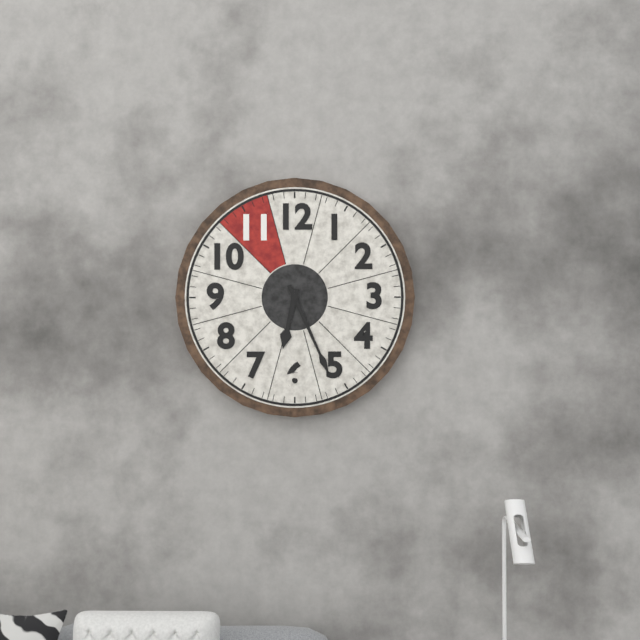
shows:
6,26
